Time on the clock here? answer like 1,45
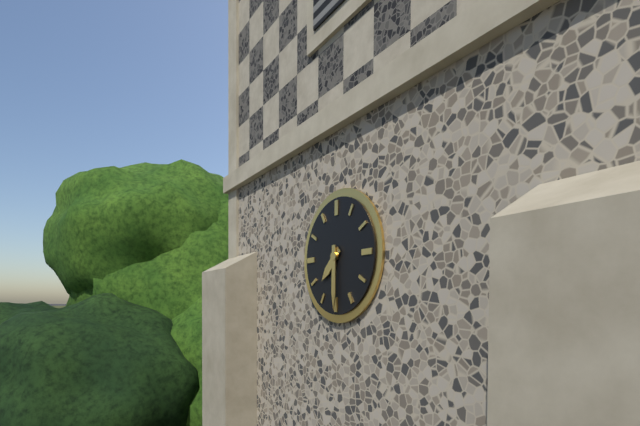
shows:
7,30
